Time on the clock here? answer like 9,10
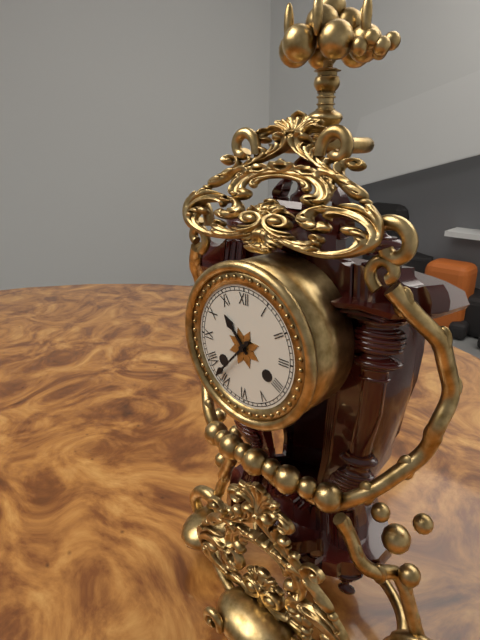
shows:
10,37
